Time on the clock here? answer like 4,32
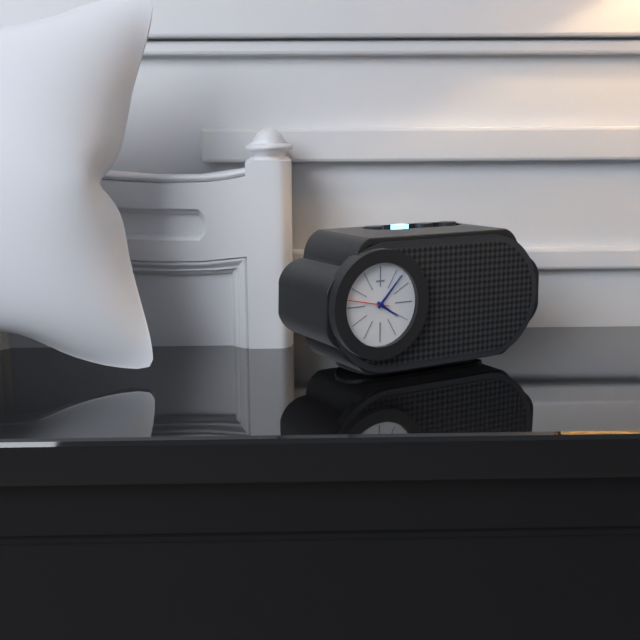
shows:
4,07
